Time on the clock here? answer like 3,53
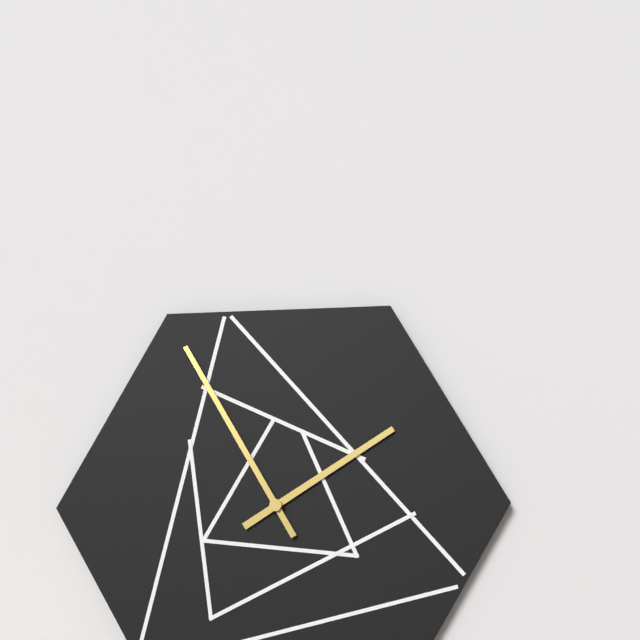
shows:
1,55
